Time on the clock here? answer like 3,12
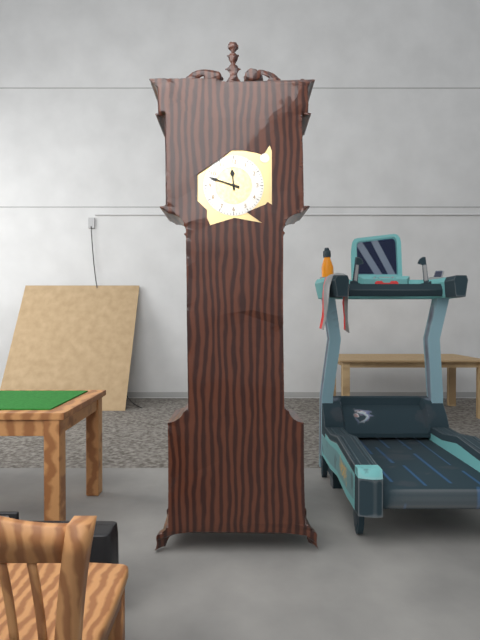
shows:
11,48
